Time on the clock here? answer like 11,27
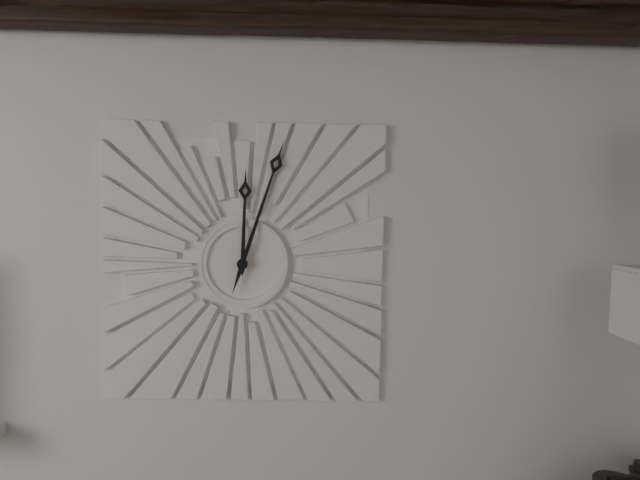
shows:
12,03
